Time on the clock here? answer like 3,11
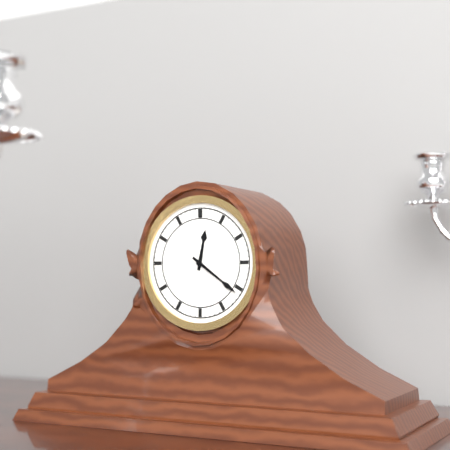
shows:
12,21
